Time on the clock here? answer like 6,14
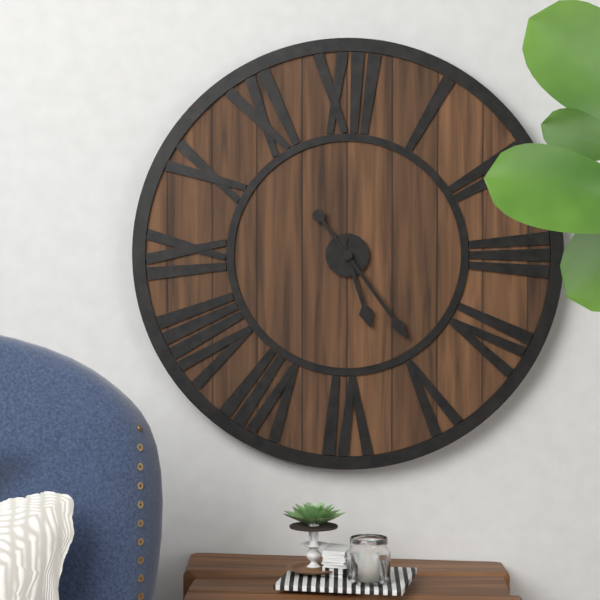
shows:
5,24
